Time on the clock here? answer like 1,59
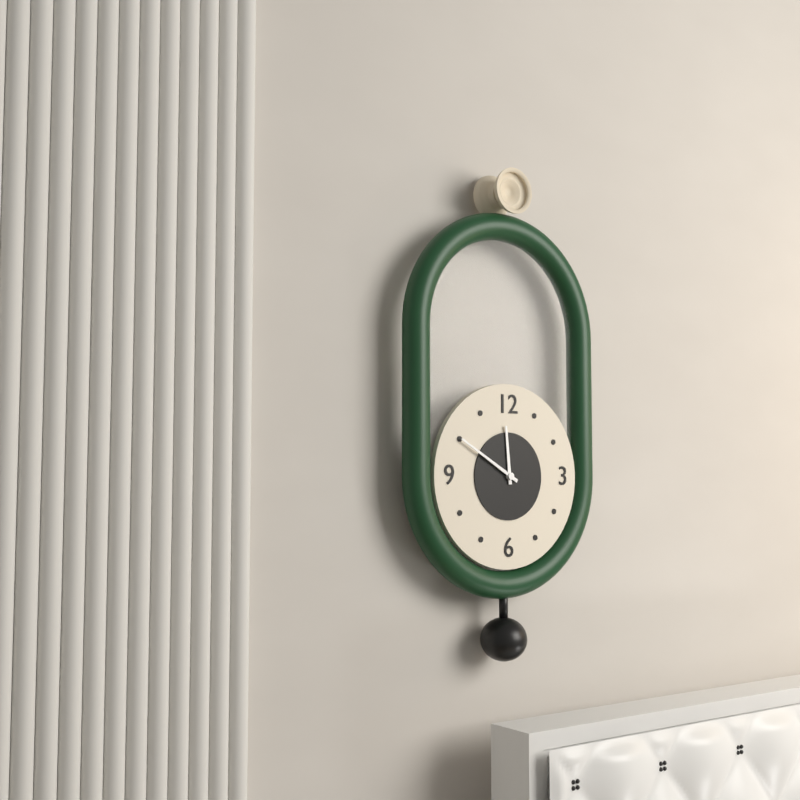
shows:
11,50
